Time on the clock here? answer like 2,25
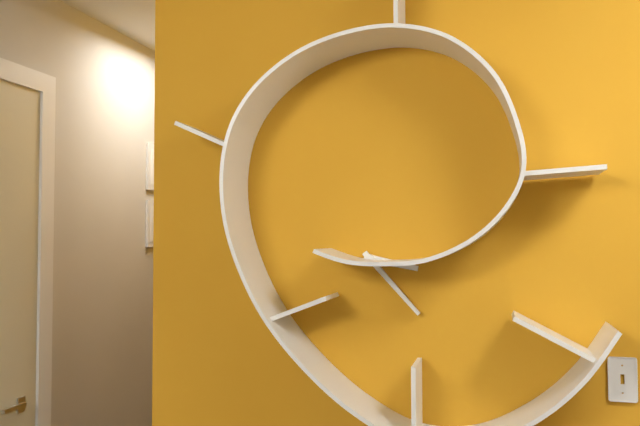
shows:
3,23
